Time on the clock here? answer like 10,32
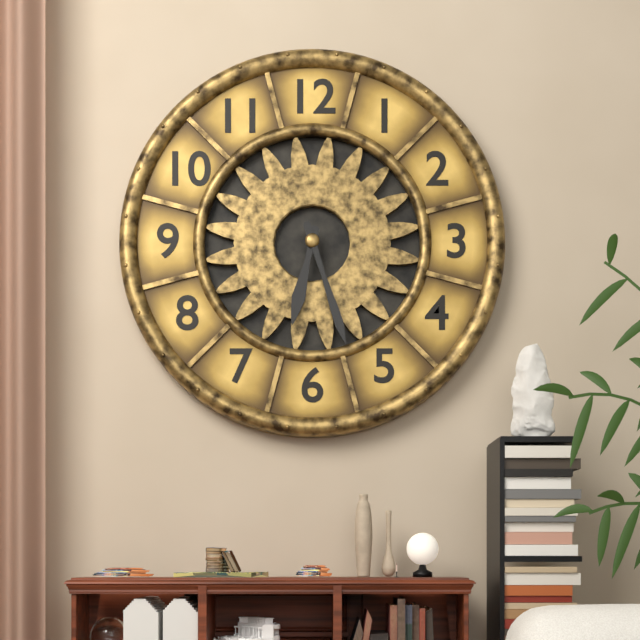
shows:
6,27
